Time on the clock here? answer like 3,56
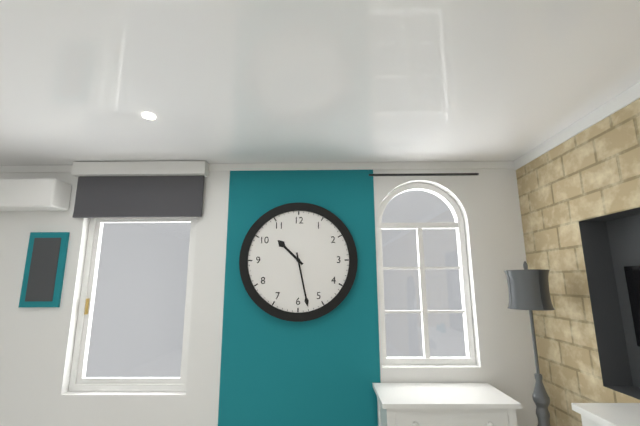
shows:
10,28
